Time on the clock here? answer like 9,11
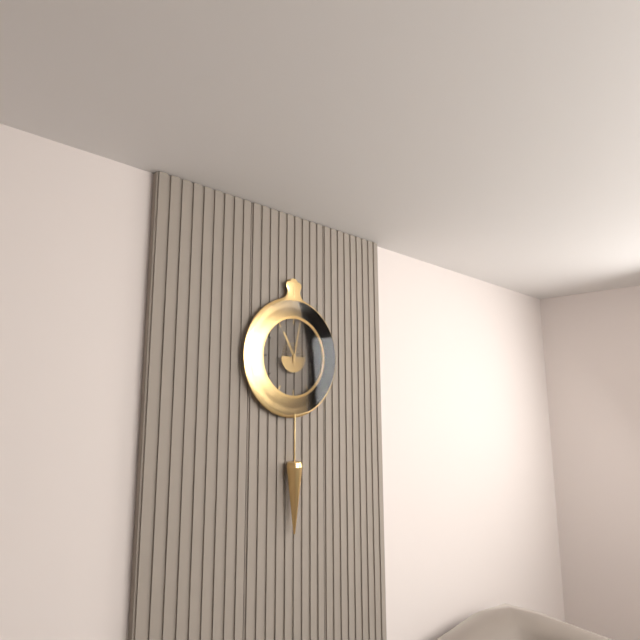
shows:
11,02
